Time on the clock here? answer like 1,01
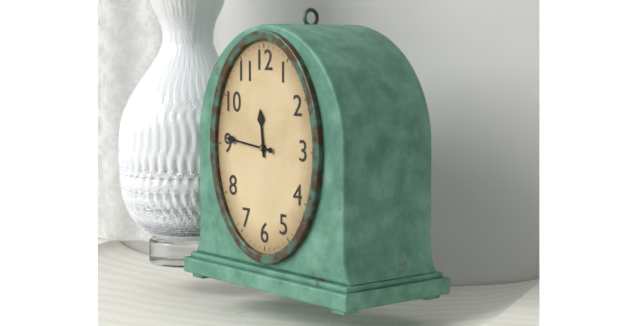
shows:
11,46
